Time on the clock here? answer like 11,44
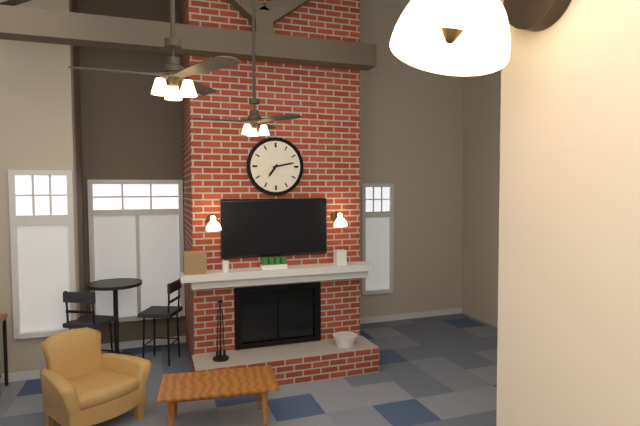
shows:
7,13
